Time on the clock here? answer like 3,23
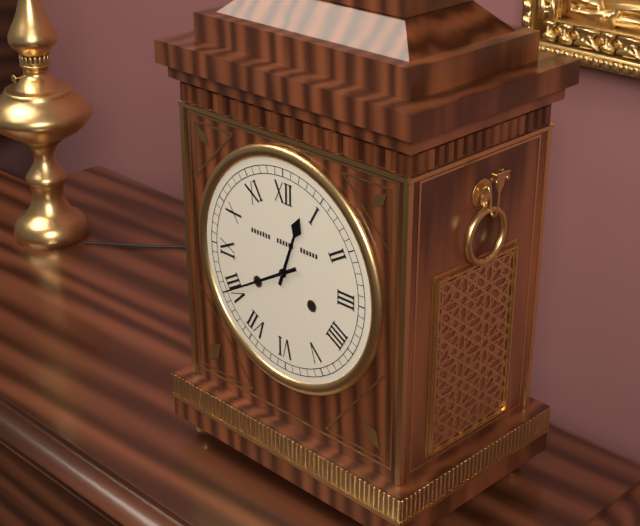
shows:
12,40
